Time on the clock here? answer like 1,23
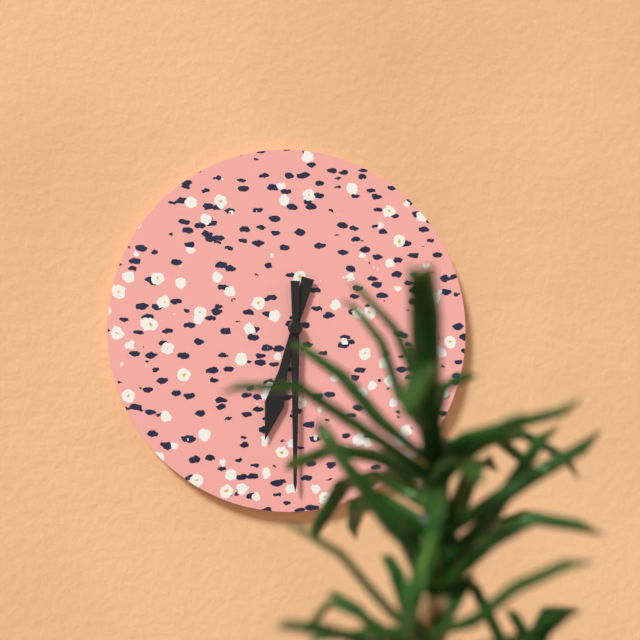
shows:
6,30
